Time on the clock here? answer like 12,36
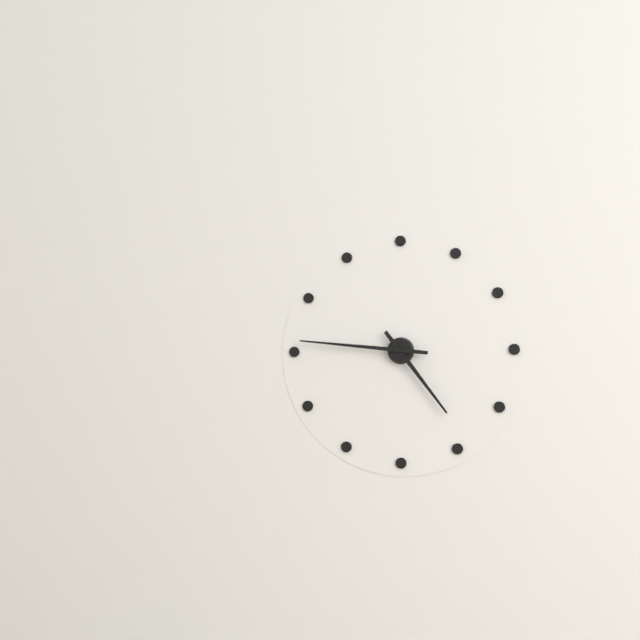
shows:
4,46
